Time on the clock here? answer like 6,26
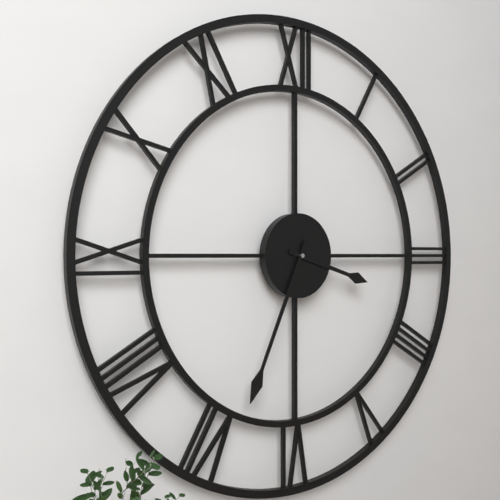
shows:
3,34
